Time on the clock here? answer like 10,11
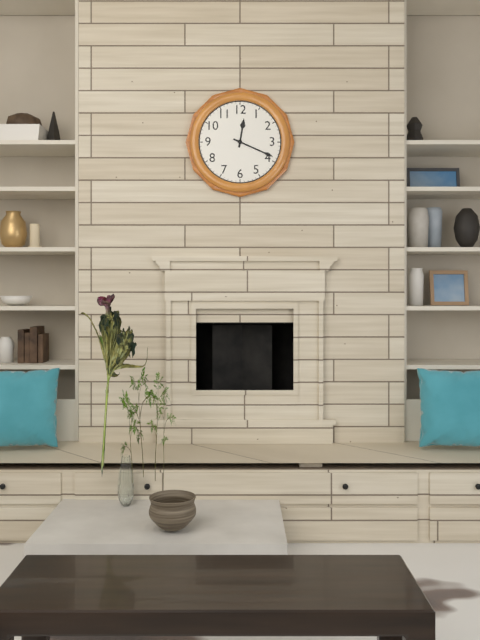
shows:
12,19
